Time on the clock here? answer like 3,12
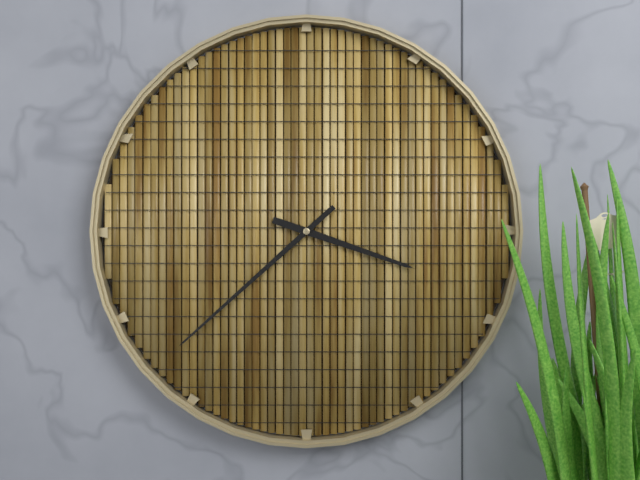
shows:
3,38
